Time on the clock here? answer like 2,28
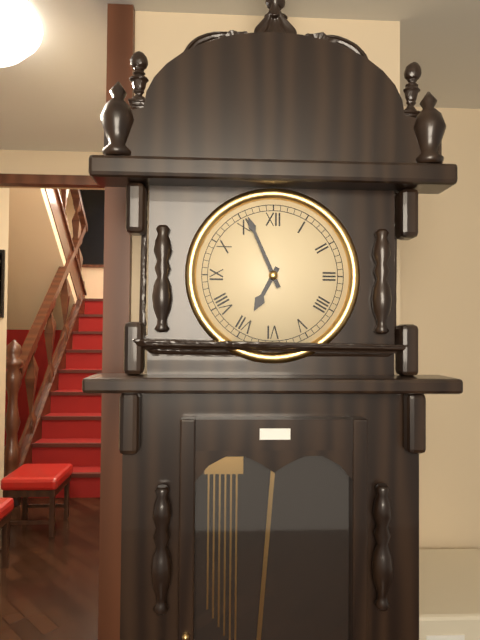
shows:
6,56
